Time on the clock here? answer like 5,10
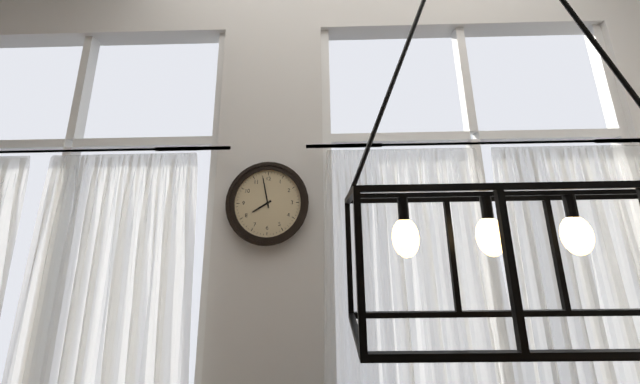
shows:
7,58
